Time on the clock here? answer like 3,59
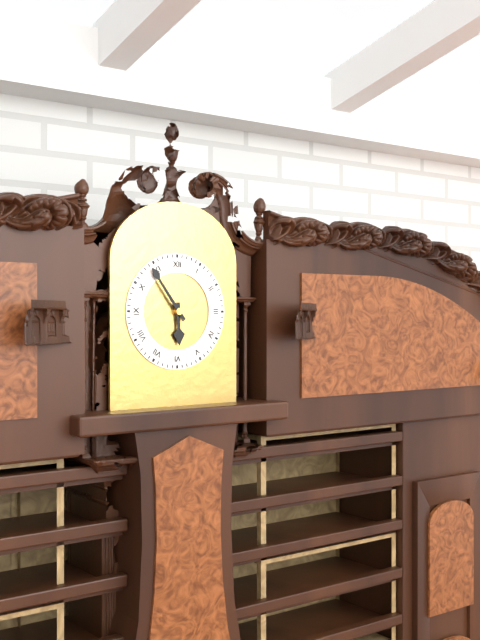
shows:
5,54
